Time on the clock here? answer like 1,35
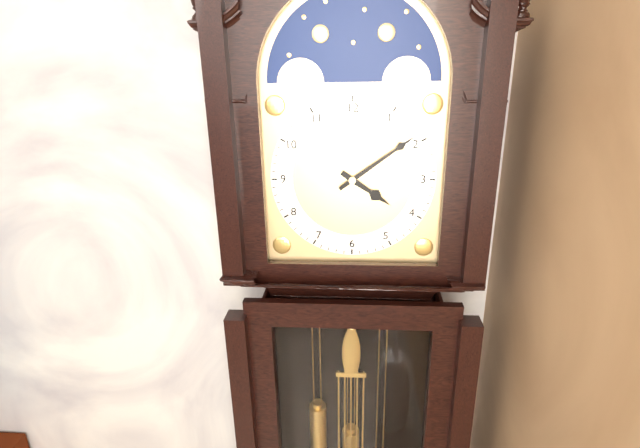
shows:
4,09
